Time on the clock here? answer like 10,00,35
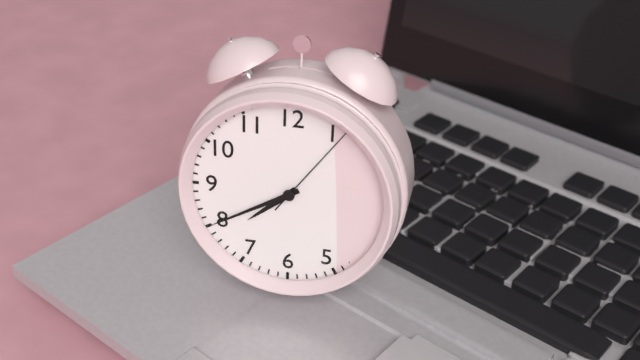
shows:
7,40,06
